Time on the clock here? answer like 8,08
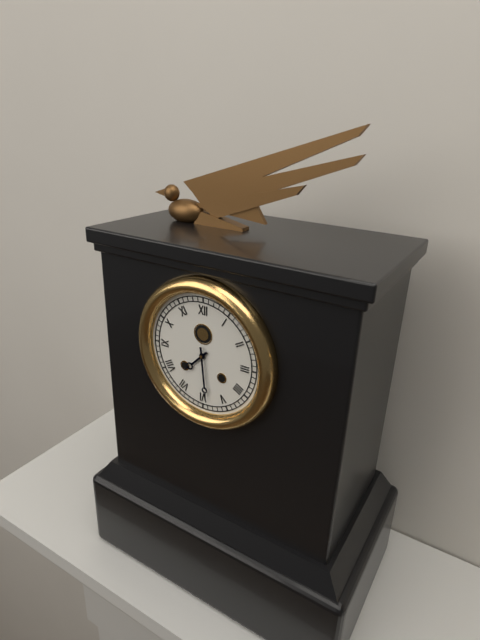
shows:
7,29
